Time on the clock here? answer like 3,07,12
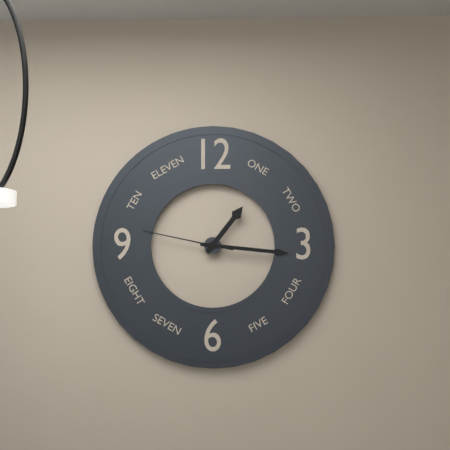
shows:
1,16,47
